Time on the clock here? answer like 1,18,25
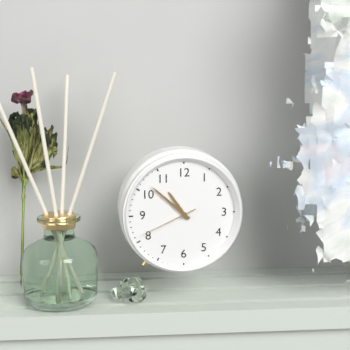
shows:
10,52,41
